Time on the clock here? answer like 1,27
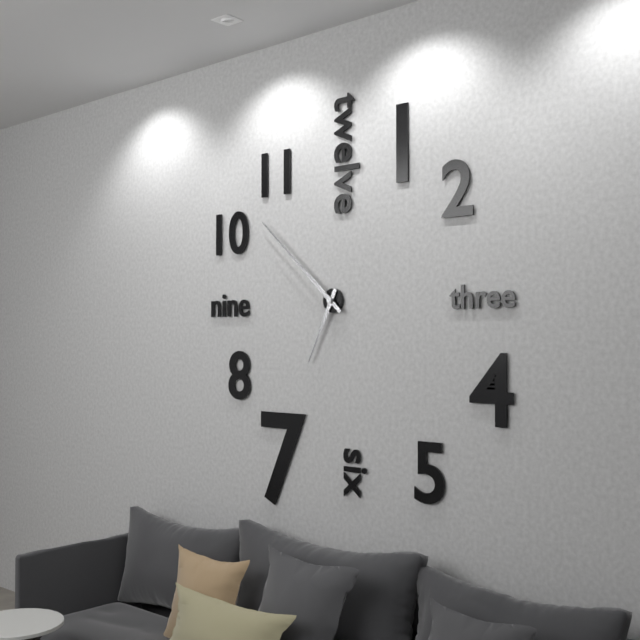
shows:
6,52
